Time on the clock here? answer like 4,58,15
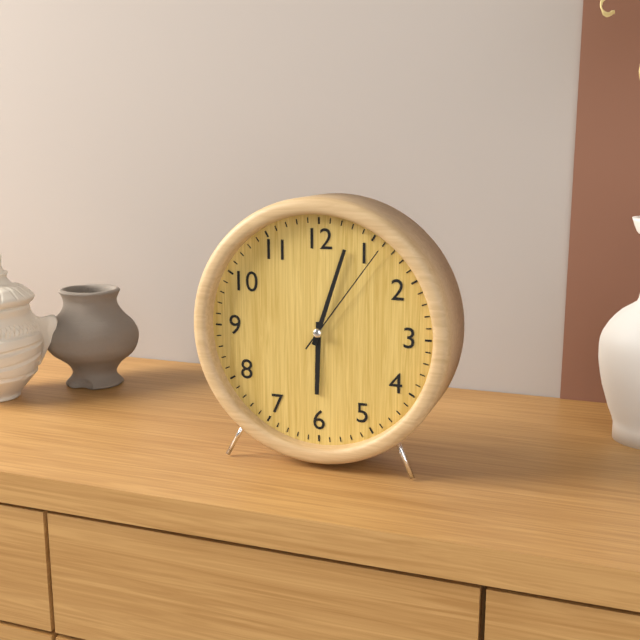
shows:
6,03,06
